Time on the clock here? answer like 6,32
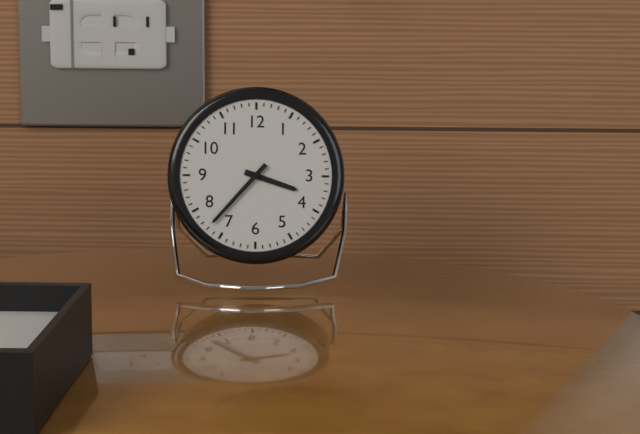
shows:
3,37
